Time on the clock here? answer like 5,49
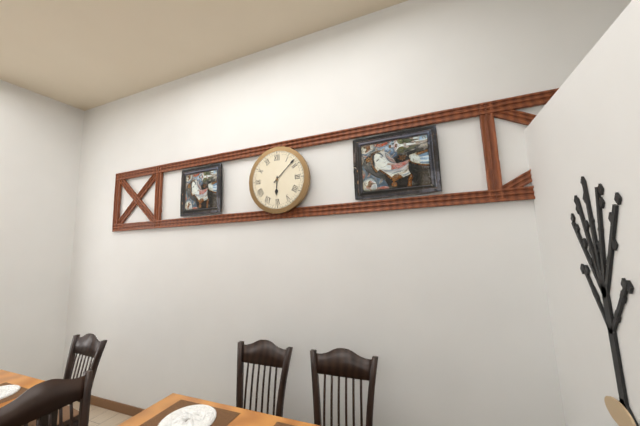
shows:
6,08
